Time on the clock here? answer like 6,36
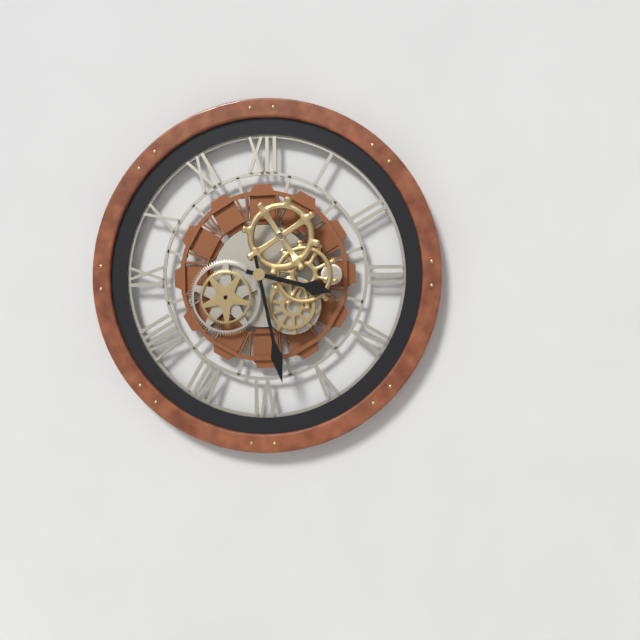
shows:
3,28
